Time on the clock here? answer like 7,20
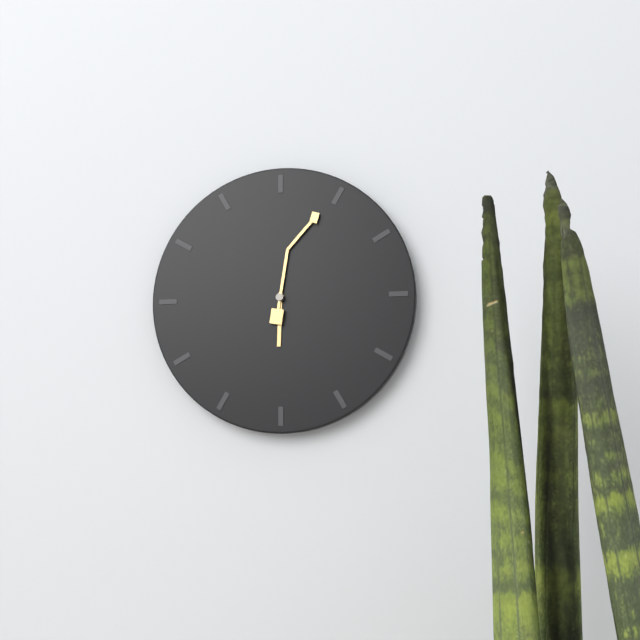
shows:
6,04
